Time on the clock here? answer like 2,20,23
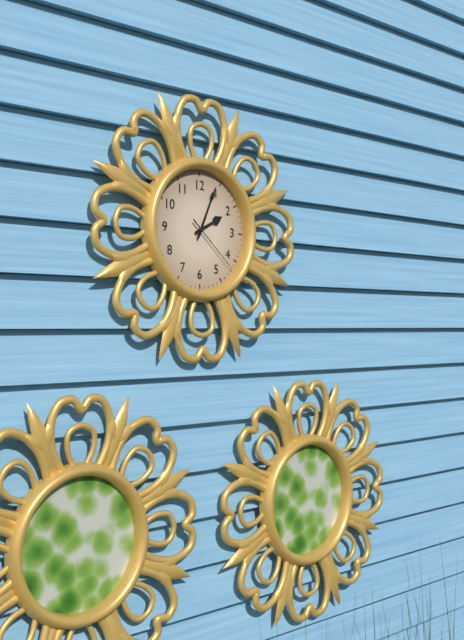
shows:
2,04,22
